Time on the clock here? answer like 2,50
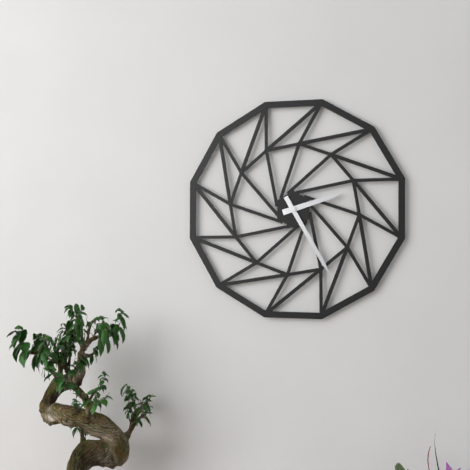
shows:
2,25
